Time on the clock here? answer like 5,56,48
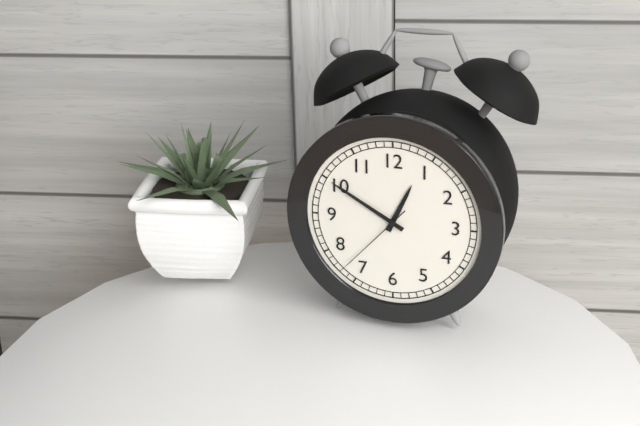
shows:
12,50,37
